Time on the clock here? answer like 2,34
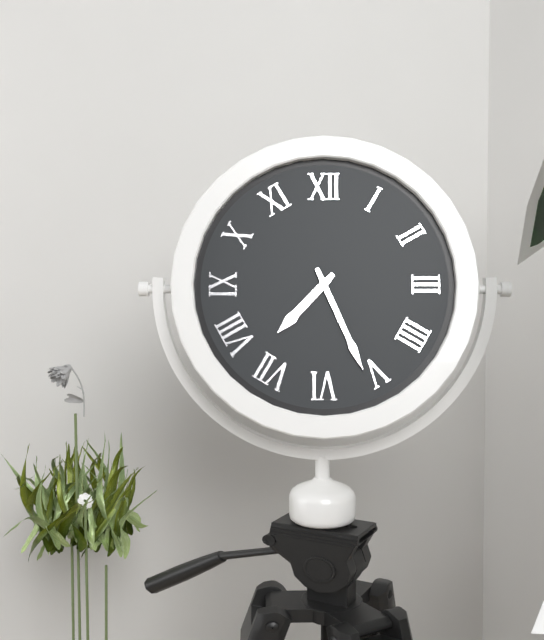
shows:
7,26
